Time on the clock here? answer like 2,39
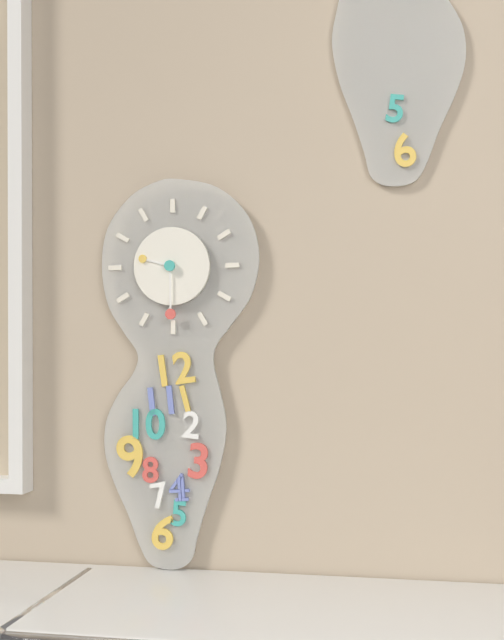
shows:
9,30
